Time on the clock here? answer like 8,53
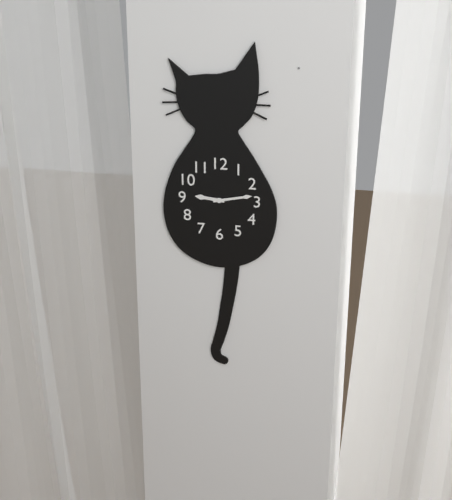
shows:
9,13
